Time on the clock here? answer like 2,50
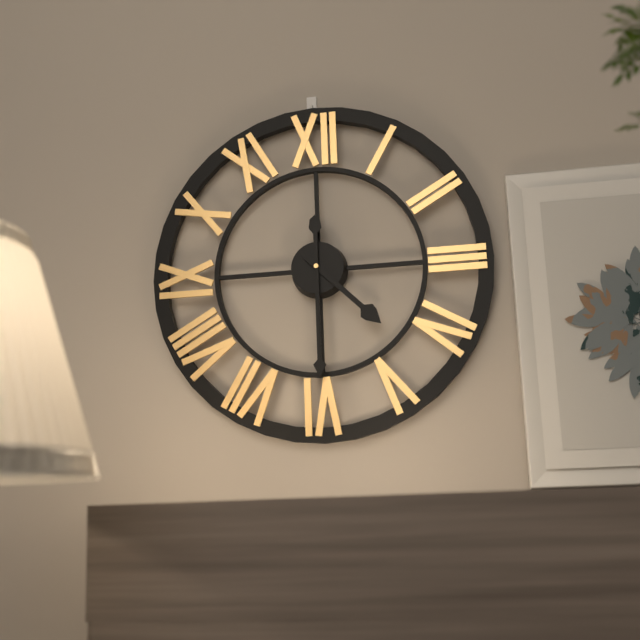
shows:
4,30
